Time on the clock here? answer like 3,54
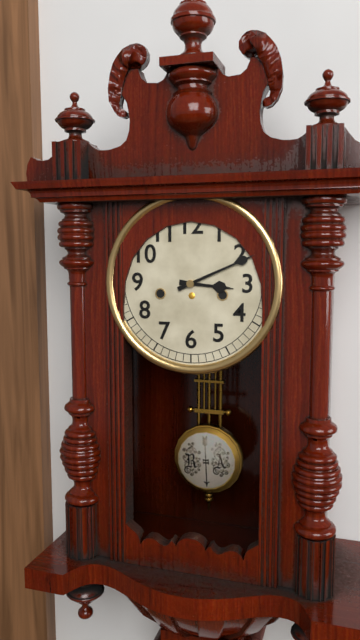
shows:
3,11
